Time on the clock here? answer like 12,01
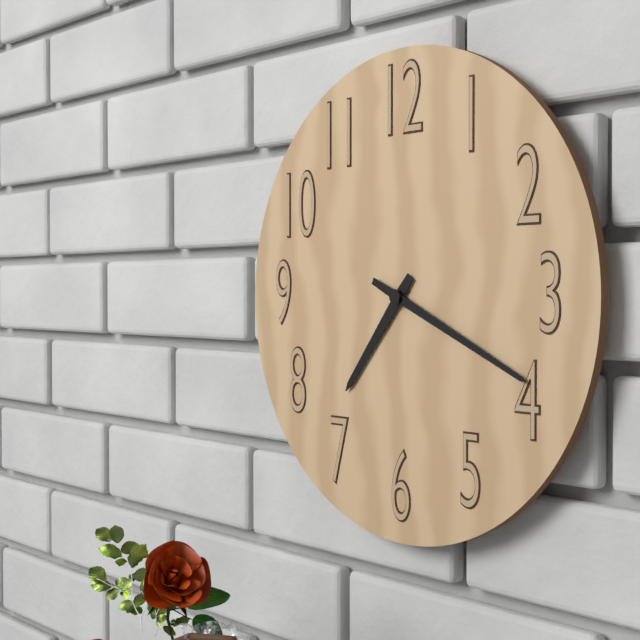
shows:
7,19
